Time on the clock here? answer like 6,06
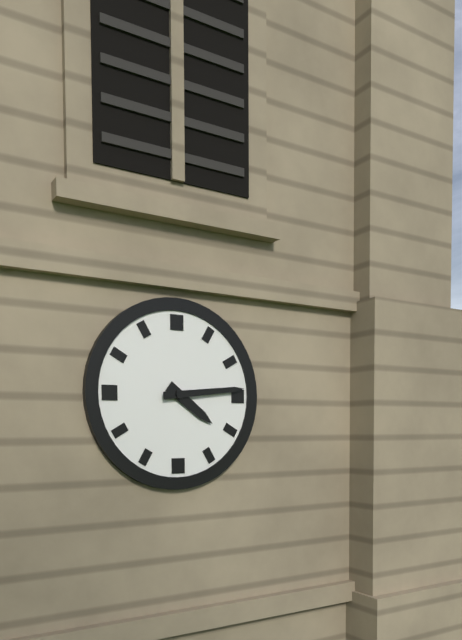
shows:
4,14
